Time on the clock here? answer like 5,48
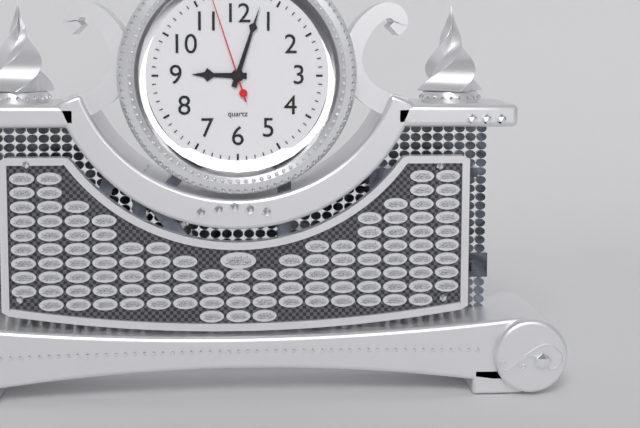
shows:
9,03
